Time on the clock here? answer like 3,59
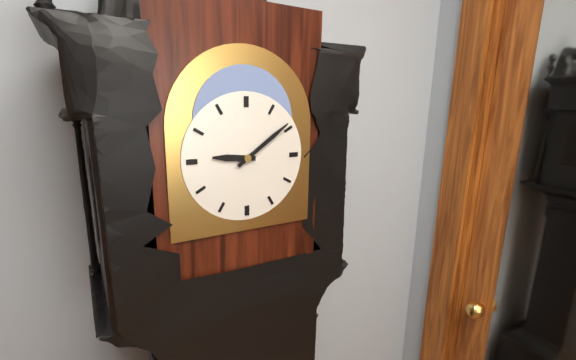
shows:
9,09
